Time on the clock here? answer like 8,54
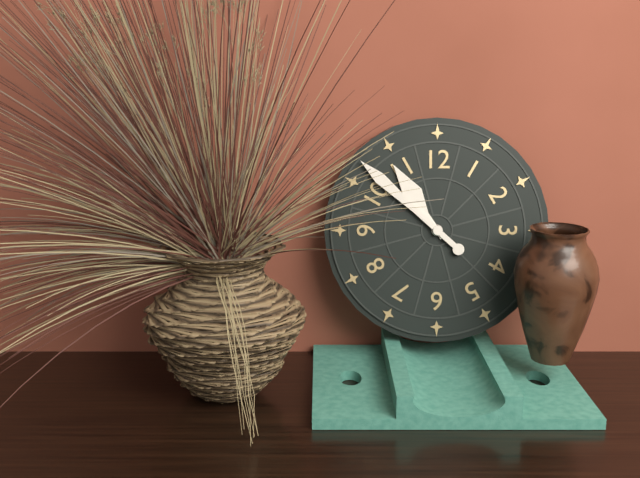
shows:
10,52
